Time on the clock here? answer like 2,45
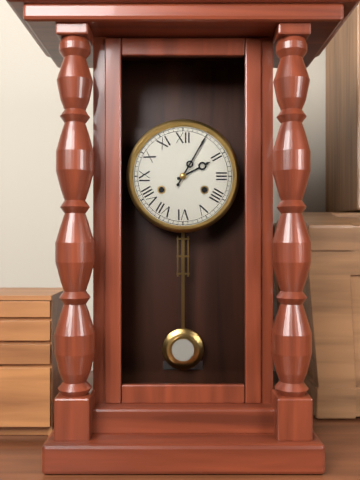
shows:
2,05
